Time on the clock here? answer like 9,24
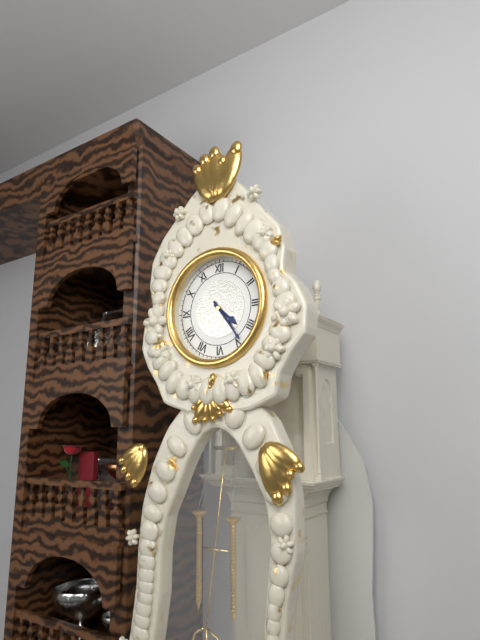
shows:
4,24
